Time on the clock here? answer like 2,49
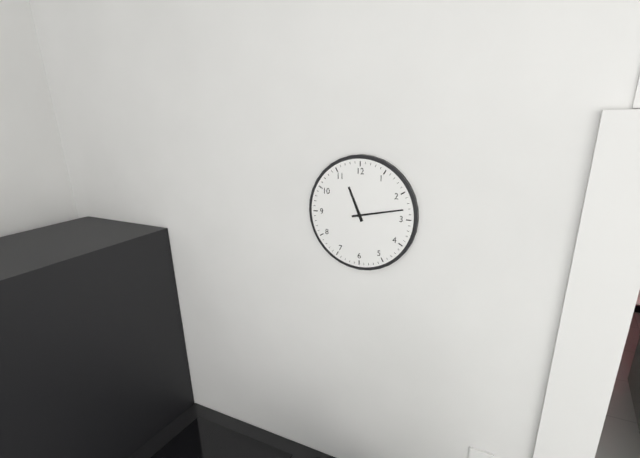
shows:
11,13
